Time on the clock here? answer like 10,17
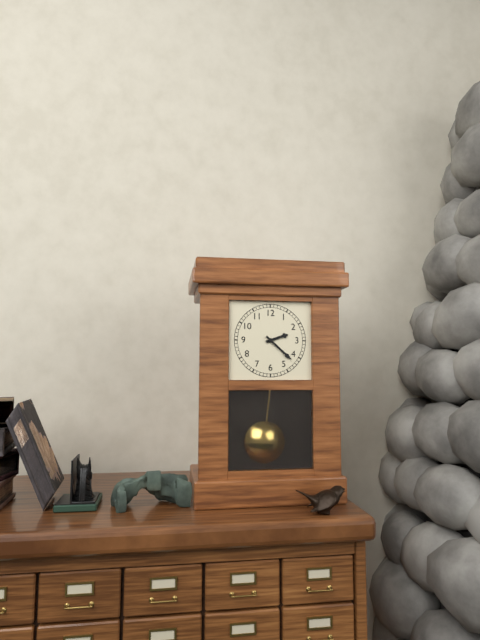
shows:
2,22
